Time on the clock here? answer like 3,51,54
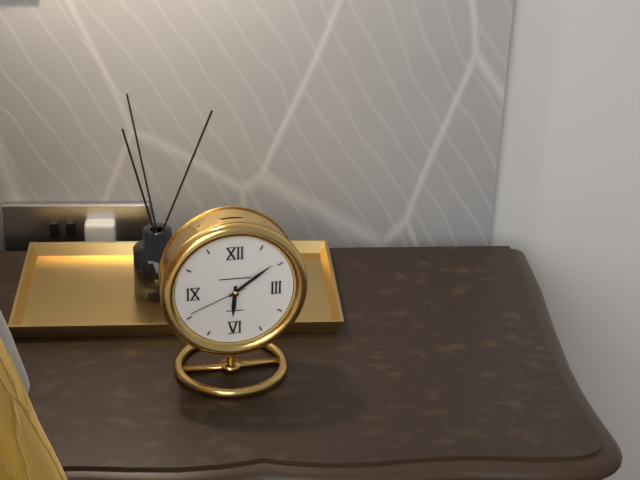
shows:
6,09,41
